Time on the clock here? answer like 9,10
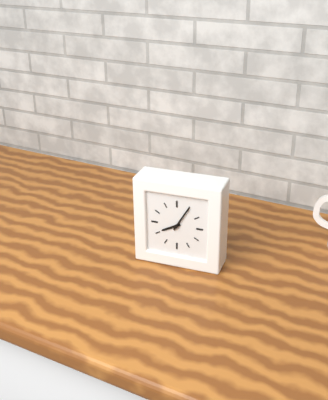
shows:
8,05
